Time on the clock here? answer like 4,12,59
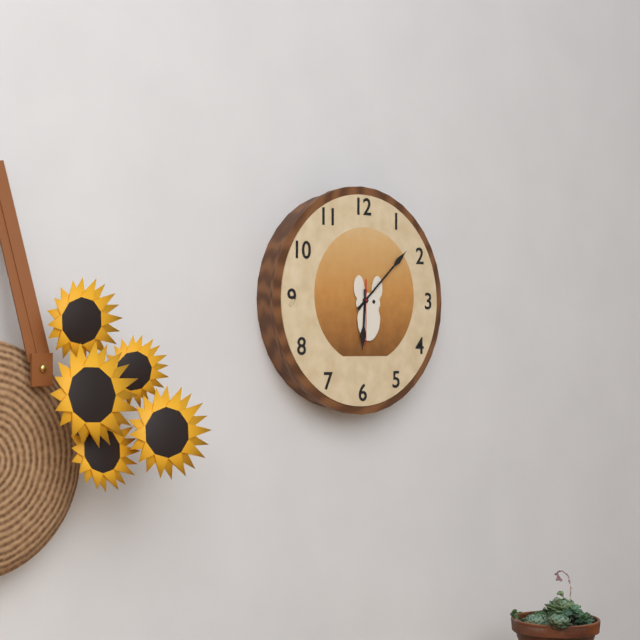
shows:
6,08,30
